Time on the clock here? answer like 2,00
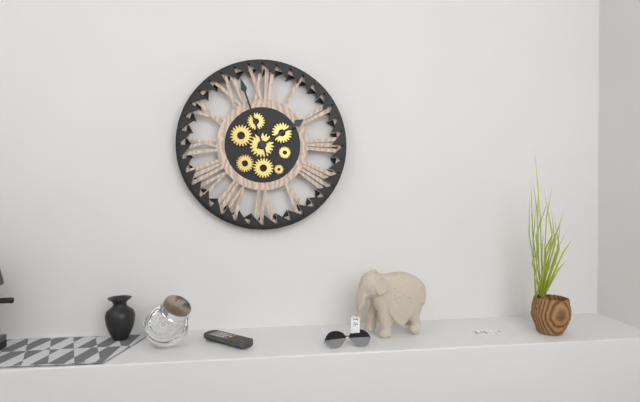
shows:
1,57
